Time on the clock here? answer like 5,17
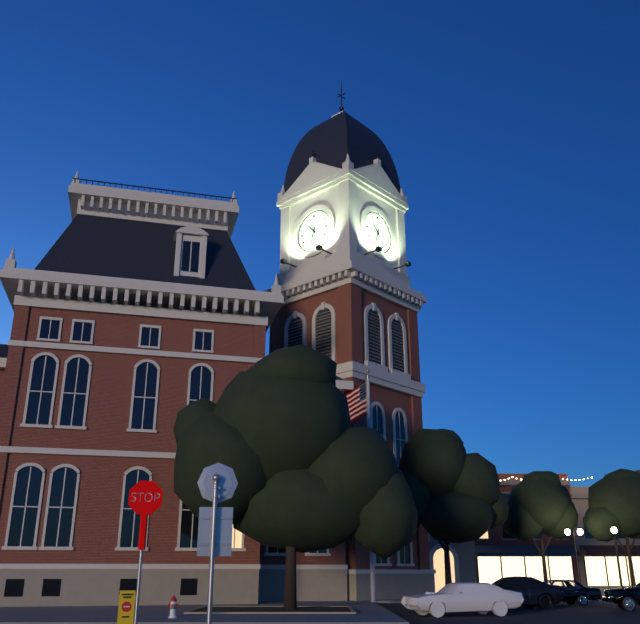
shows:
10,33
